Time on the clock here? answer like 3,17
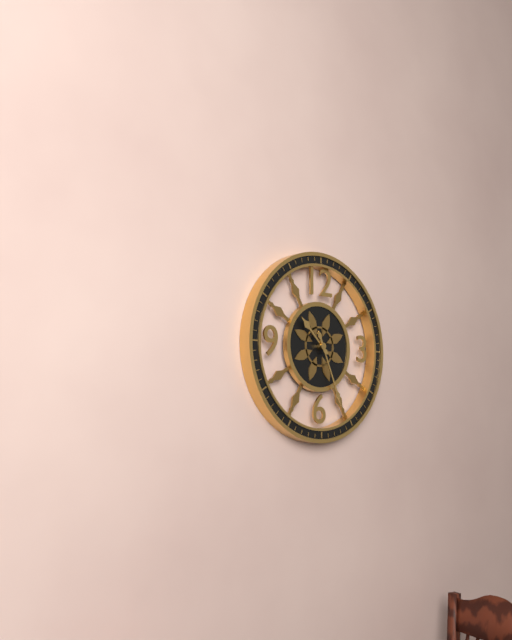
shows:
10,26
